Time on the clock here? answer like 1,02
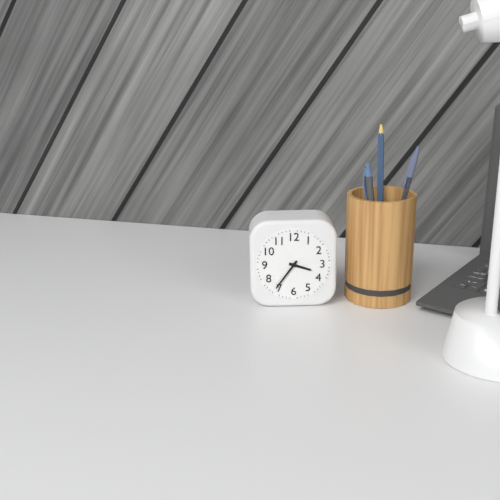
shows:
3,36
